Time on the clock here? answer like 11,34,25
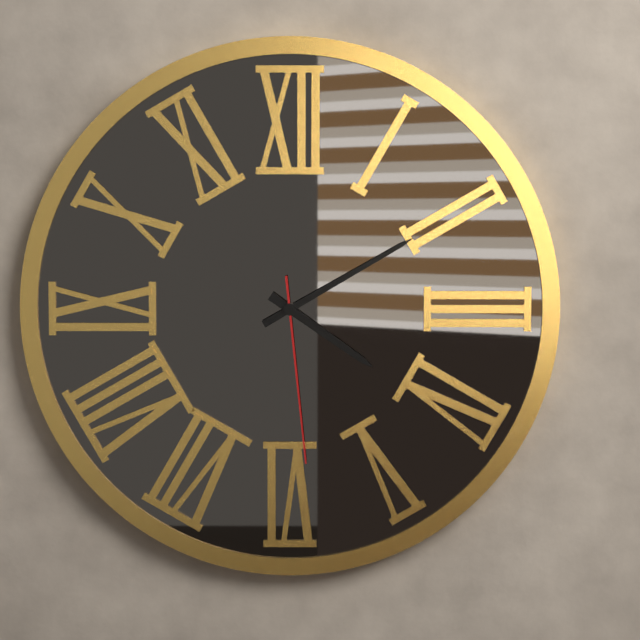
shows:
4,10,29
